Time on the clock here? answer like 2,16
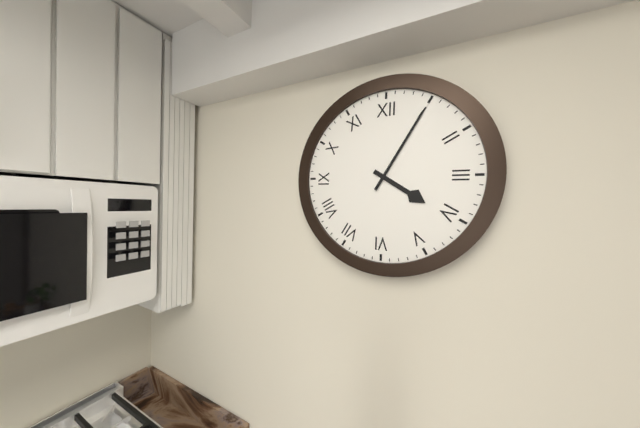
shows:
4,05
